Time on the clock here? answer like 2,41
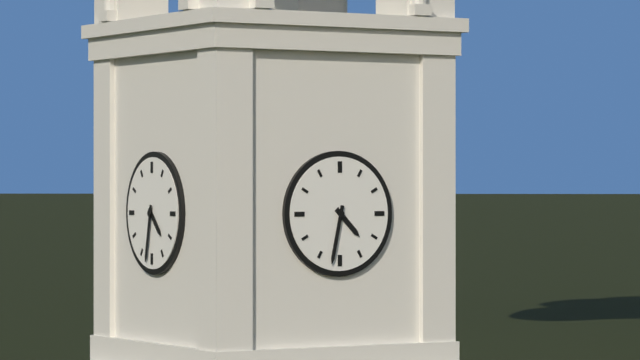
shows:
4,32
